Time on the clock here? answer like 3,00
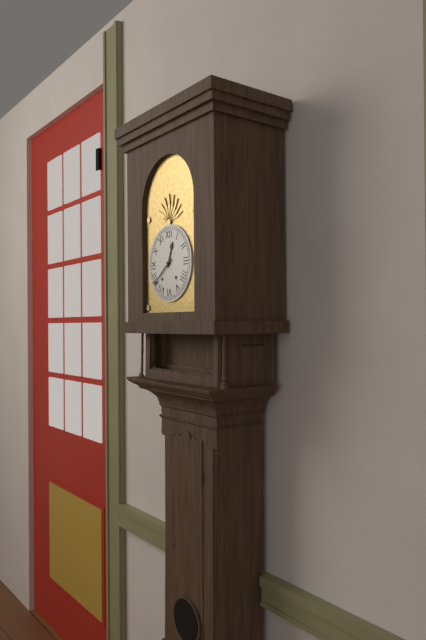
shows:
12,39
